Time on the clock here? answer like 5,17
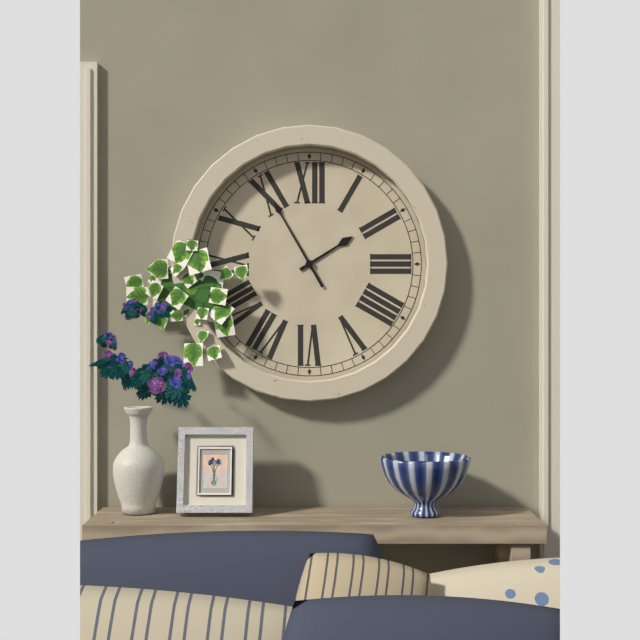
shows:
1,55
